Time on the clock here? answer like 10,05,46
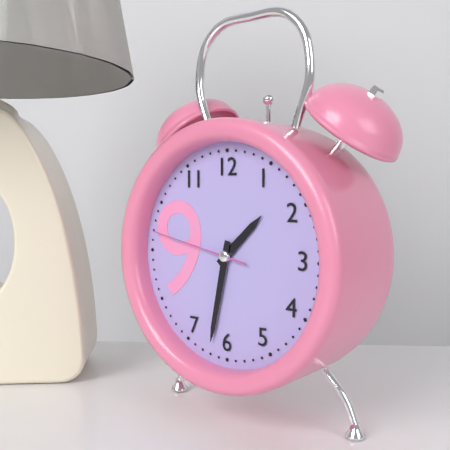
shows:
1,32,47
